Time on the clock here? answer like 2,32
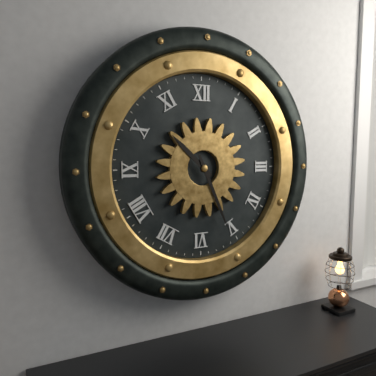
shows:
10,26
